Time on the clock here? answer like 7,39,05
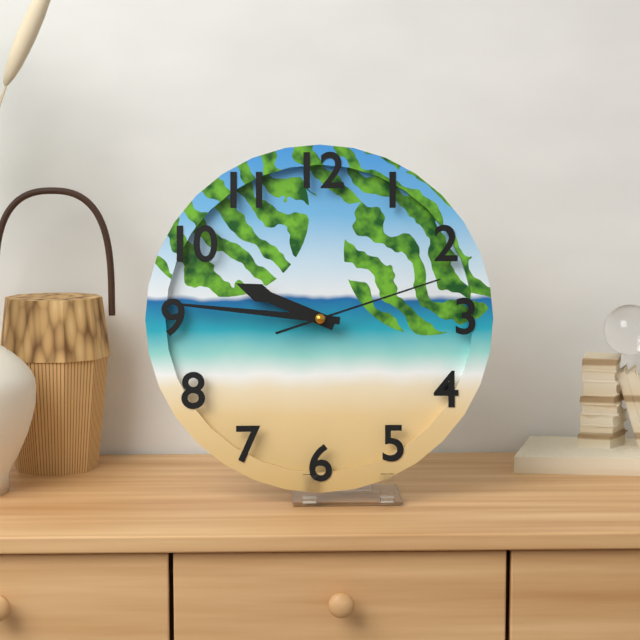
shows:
9,46,12
